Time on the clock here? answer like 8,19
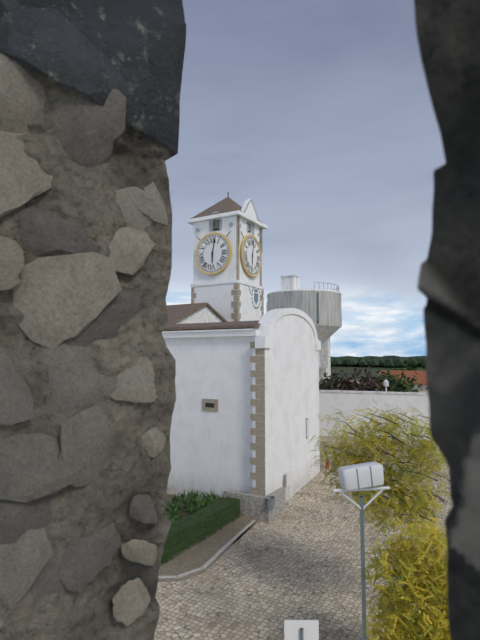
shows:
6,02
